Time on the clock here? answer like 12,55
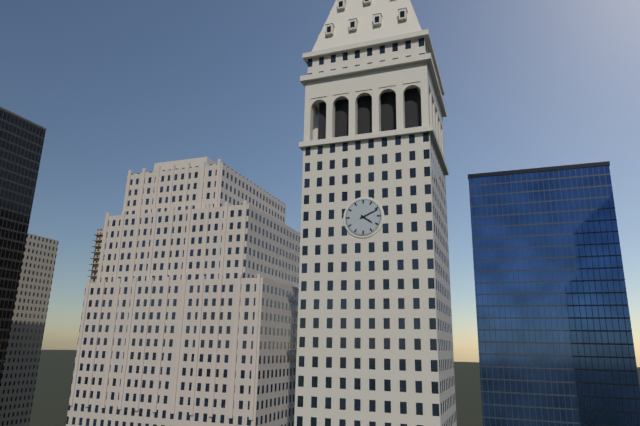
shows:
4,11
